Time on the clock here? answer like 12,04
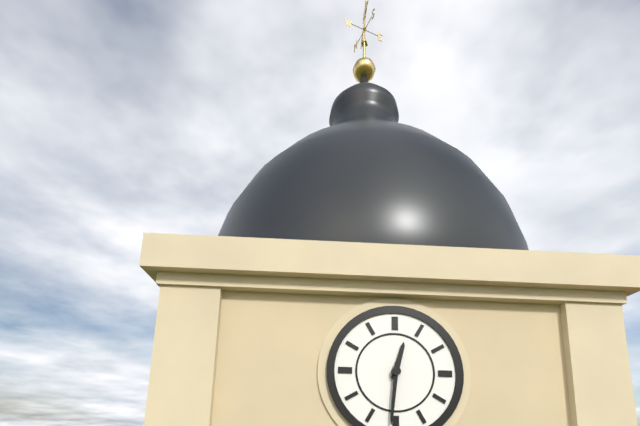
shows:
12,31
